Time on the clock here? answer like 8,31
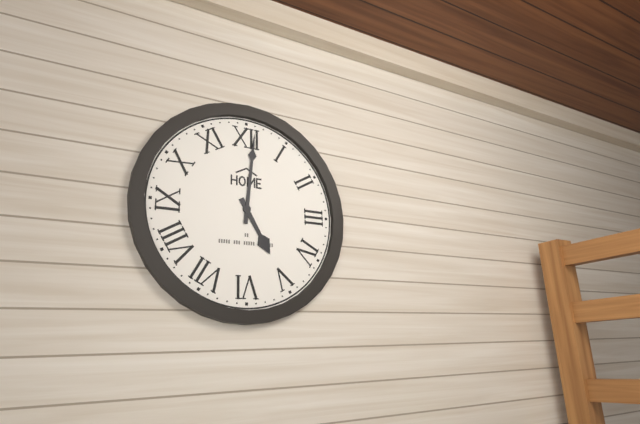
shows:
5,01
